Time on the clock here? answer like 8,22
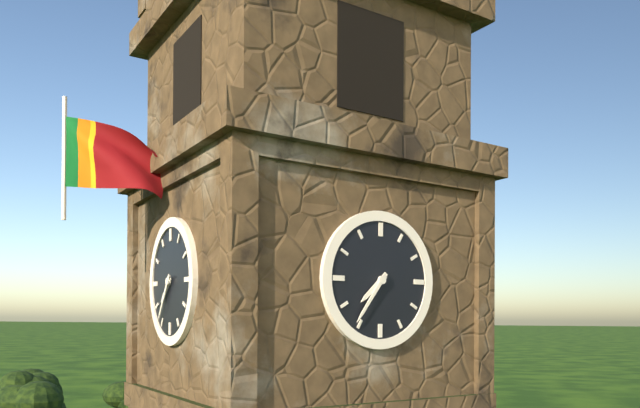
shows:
7,36
